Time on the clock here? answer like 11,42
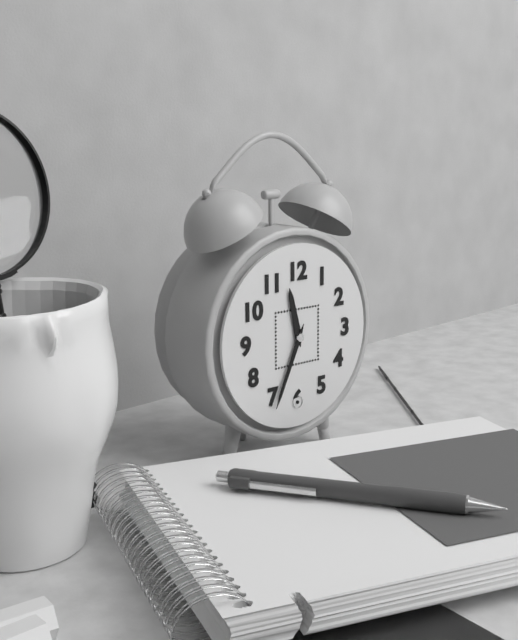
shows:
11,34
